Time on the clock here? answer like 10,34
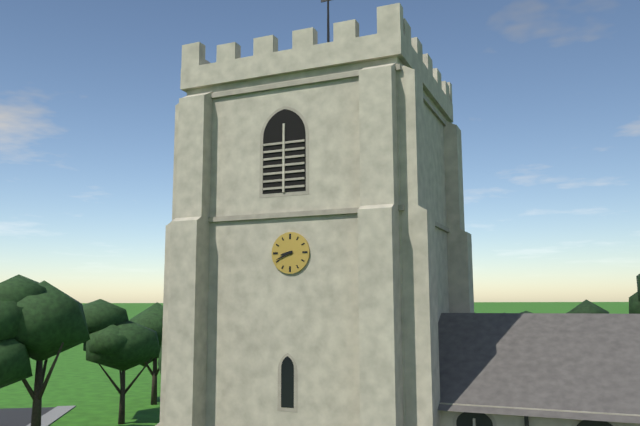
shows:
8,41
